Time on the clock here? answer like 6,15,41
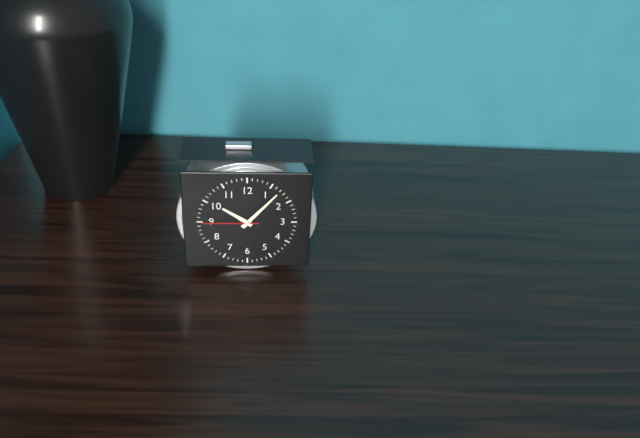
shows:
10,07,45
